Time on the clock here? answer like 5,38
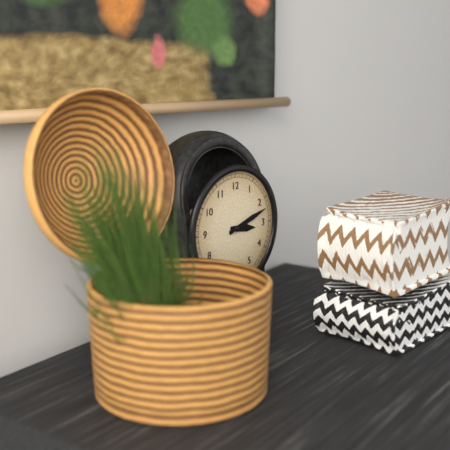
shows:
3,12
